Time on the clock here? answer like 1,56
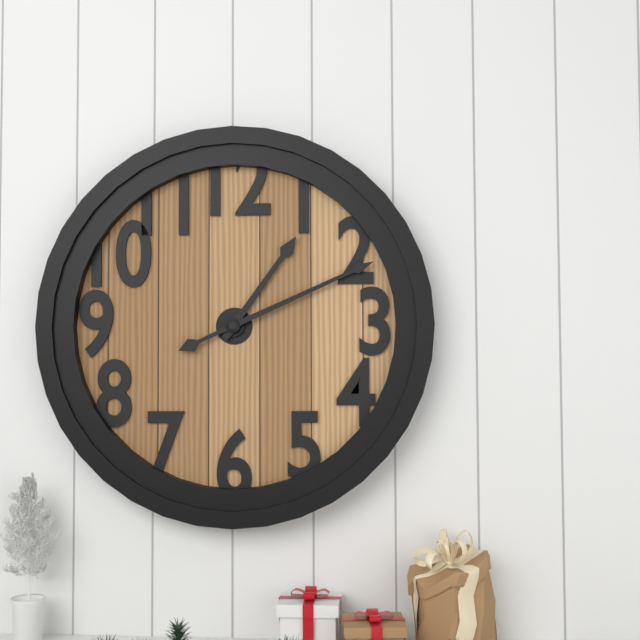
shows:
1,11
